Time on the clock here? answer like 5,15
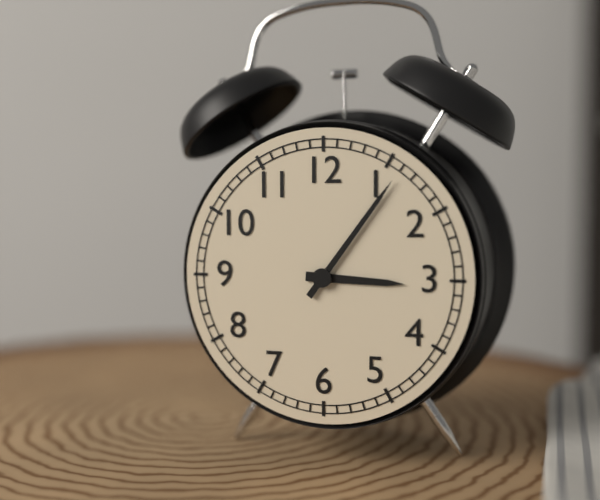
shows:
3,06
